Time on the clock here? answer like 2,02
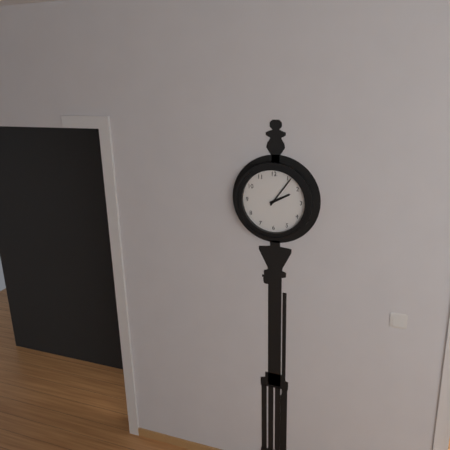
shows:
2,06
